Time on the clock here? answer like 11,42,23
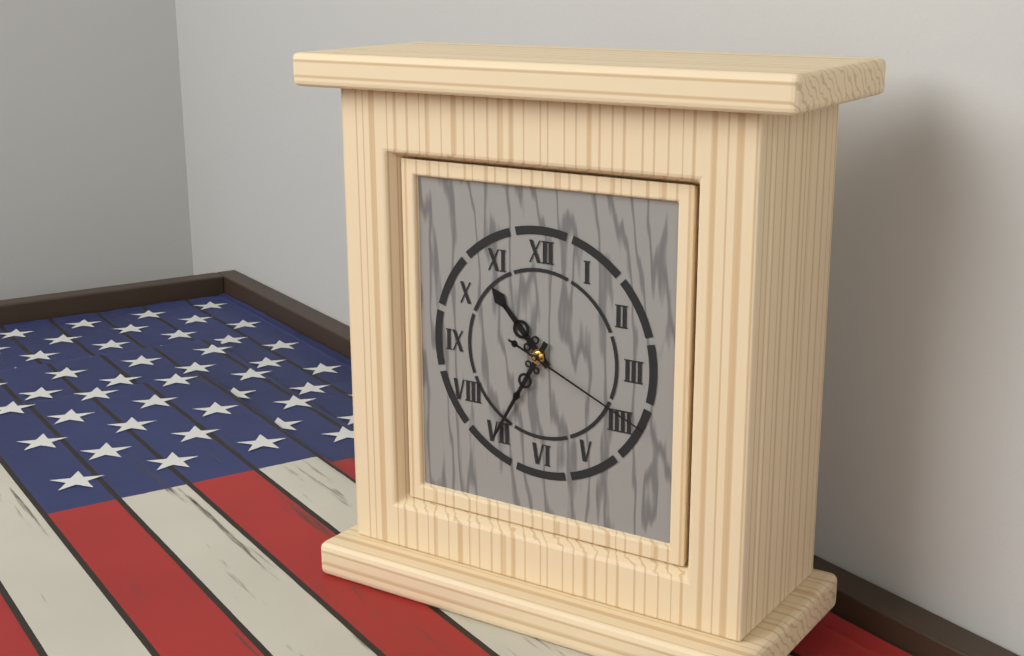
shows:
10,35,19
